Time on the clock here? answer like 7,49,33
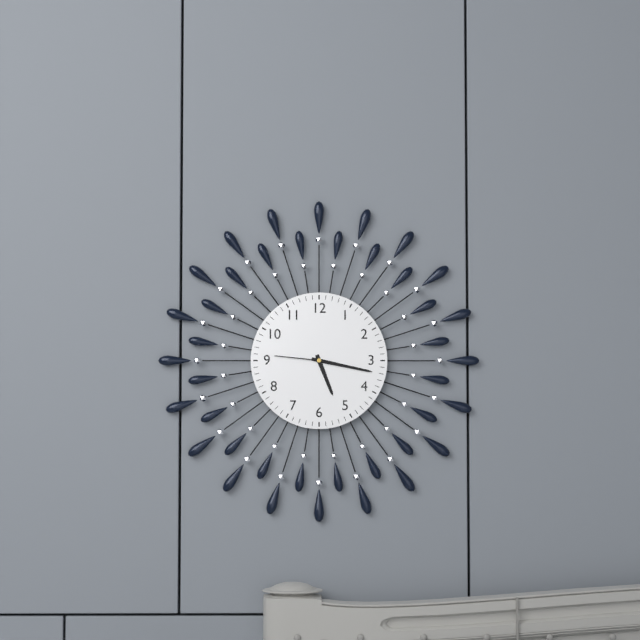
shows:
5,17,46
